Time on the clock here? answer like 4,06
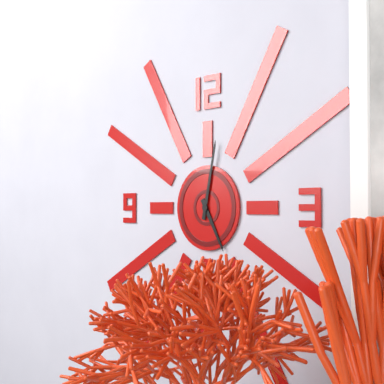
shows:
5,02
